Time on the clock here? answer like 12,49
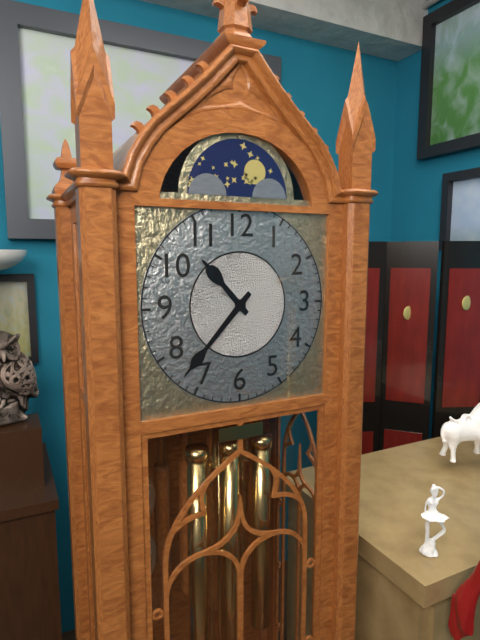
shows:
10,37
